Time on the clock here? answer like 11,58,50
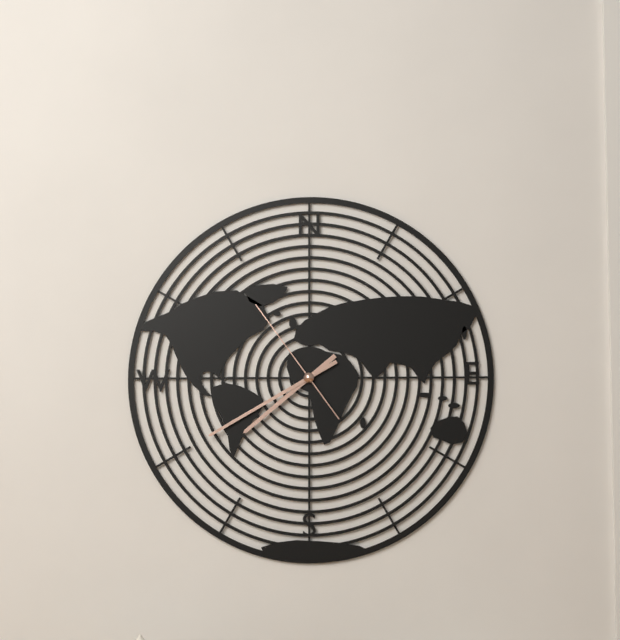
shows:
7,40,54
